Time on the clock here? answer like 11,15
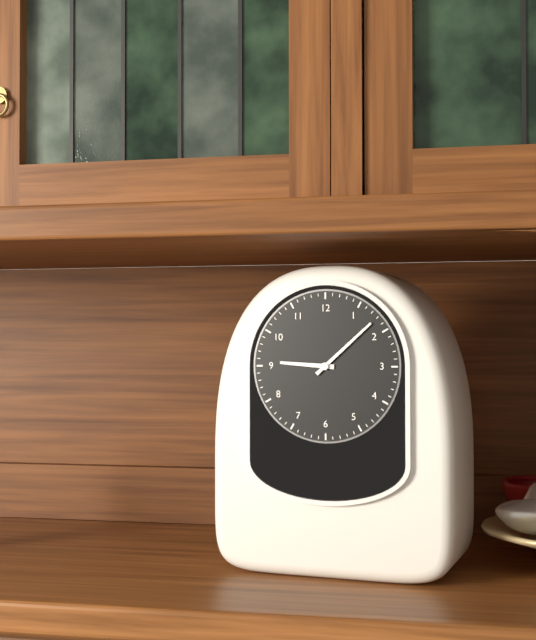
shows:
9,08
